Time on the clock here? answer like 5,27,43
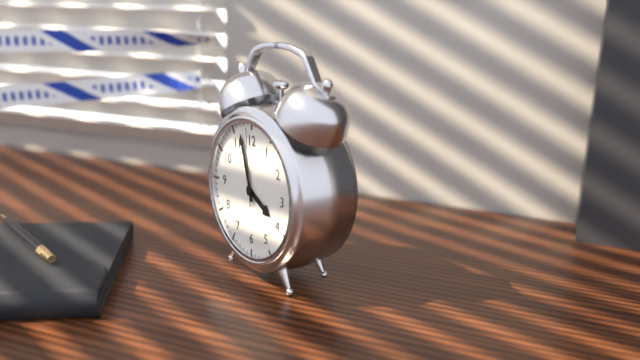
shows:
3,57,59
